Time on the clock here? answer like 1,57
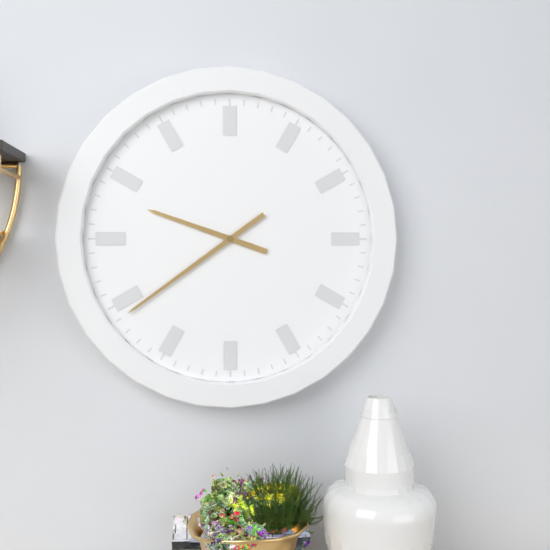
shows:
9,39
